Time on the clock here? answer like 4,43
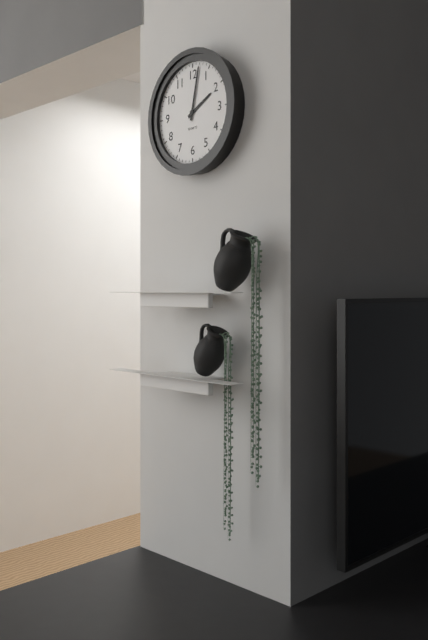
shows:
2,02
